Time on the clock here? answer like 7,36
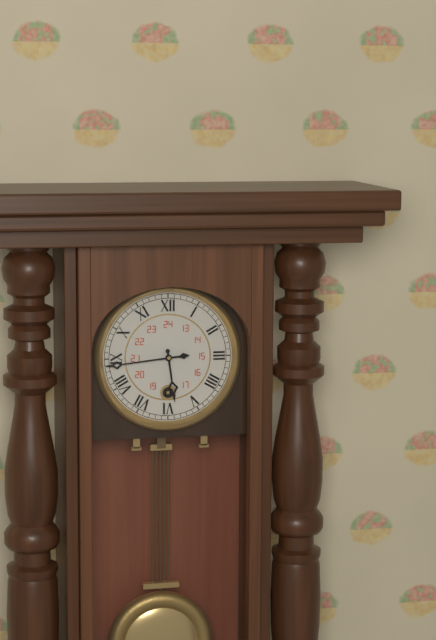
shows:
5,44
